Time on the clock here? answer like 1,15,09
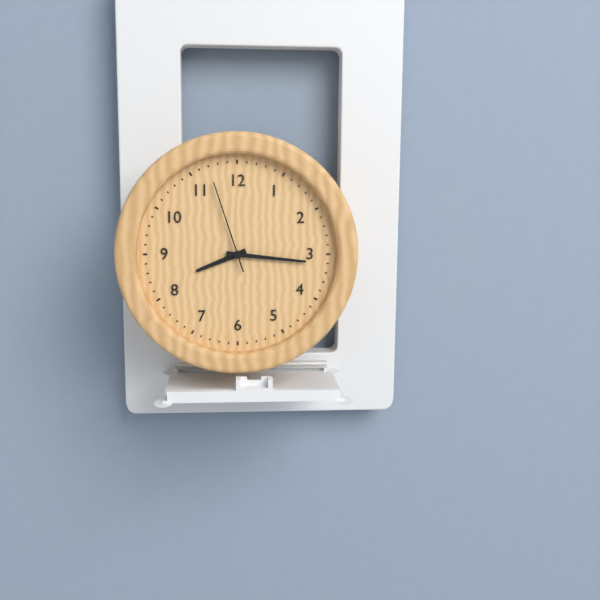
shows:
8,16,57
